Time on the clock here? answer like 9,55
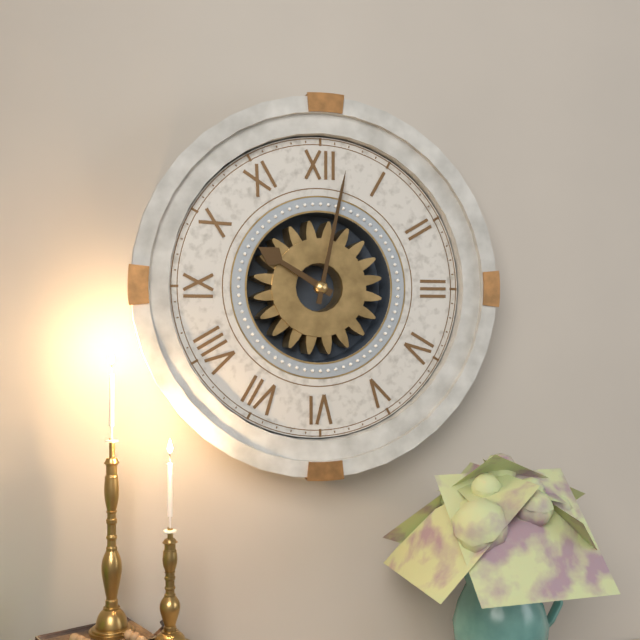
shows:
10,02
